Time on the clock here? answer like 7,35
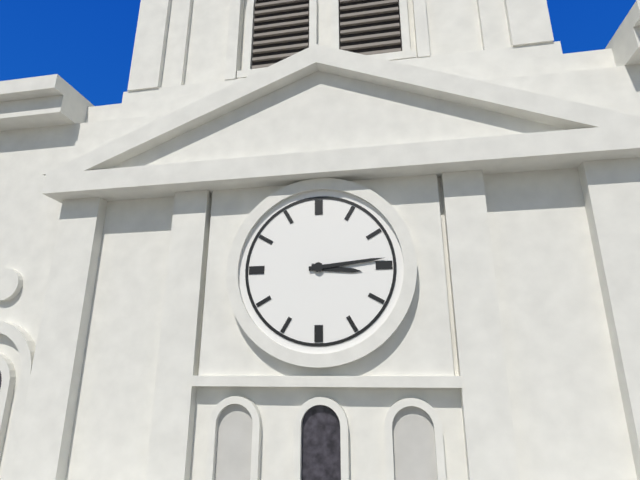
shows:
3,14
